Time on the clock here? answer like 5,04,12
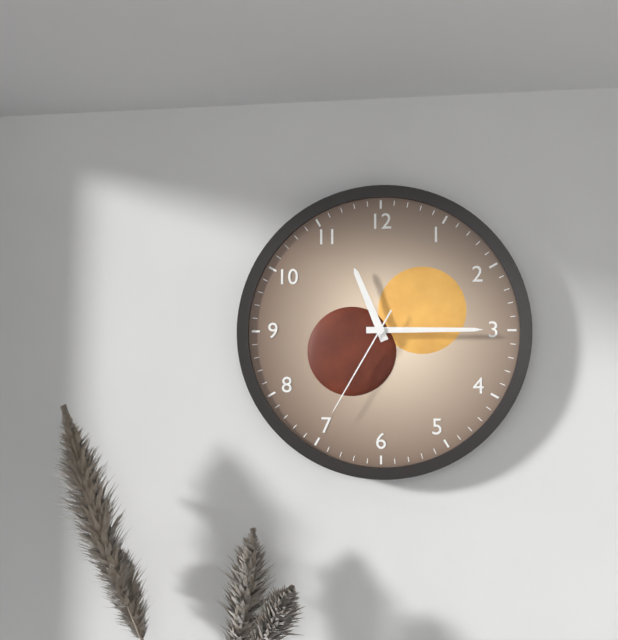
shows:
11,15,35
